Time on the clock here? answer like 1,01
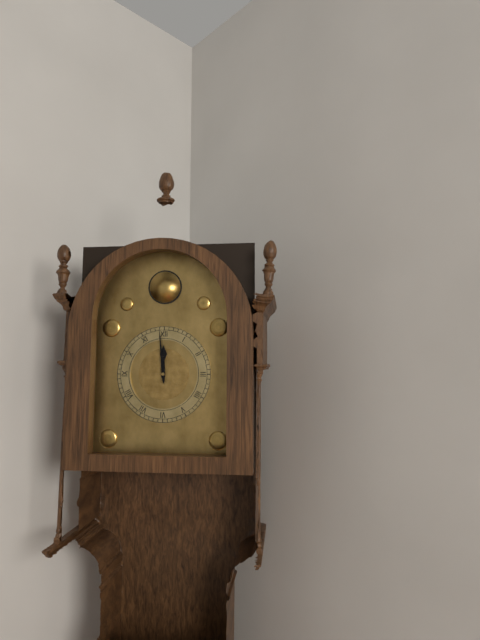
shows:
11,59
